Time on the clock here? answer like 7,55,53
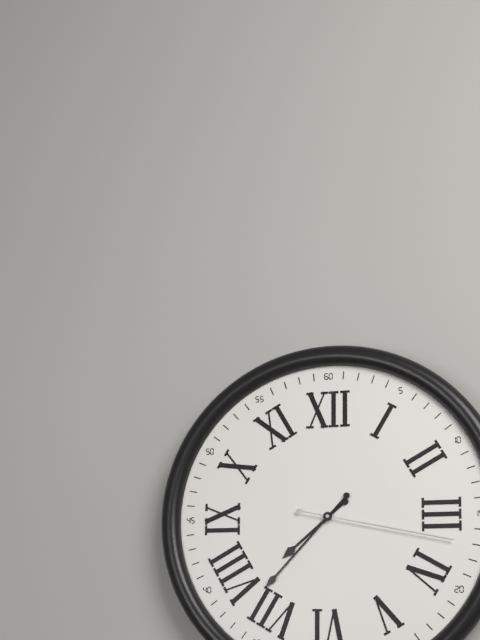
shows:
7,37,17
